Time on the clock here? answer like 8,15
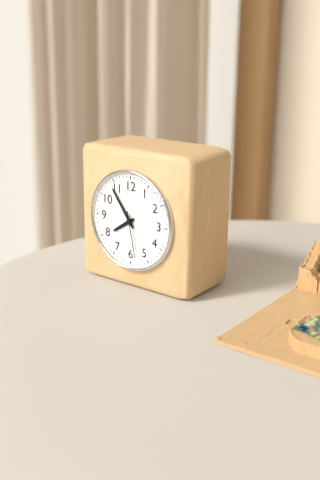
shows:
7,54
